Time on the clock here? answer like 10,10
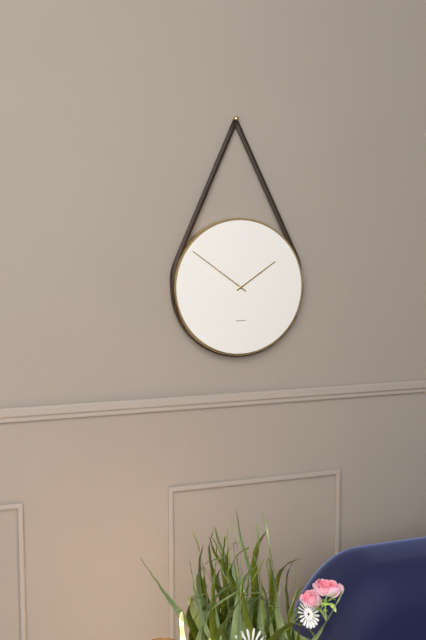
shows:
1,51
